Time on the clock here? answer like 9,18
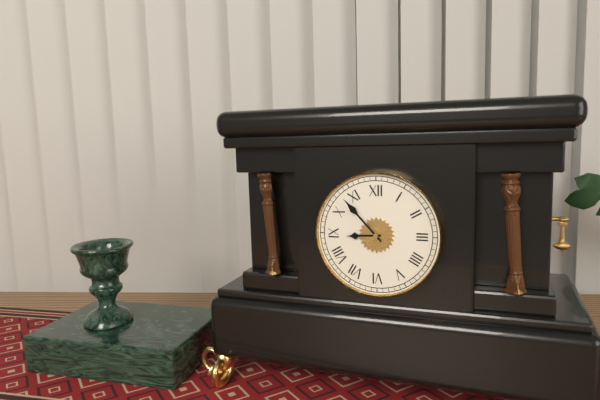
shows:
8,53
